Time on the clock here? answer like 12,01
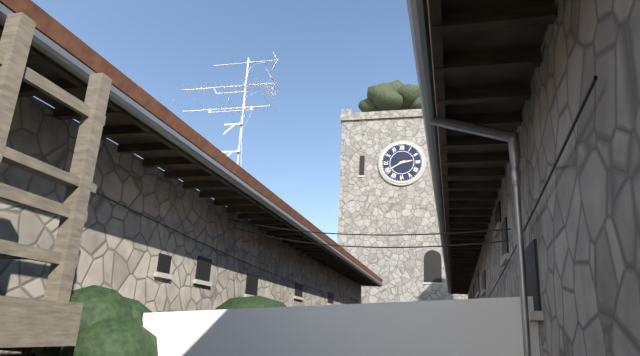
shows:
2,40
